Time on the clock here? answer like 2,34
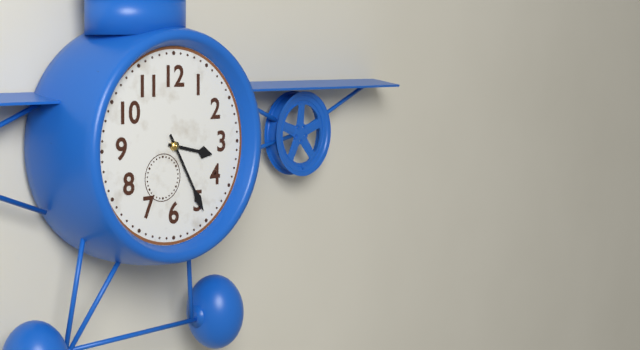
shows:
3,25
